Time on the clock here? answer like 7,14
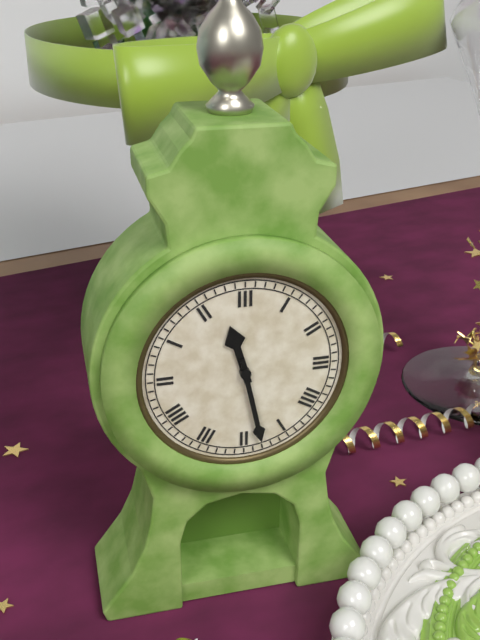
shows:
11,28
